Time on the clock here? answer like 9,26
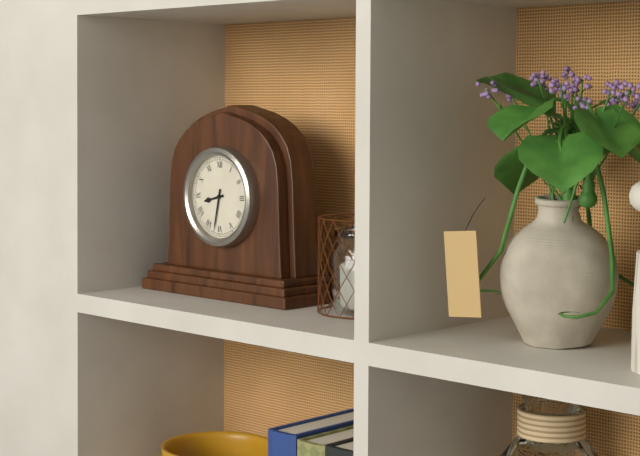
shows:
8,32
